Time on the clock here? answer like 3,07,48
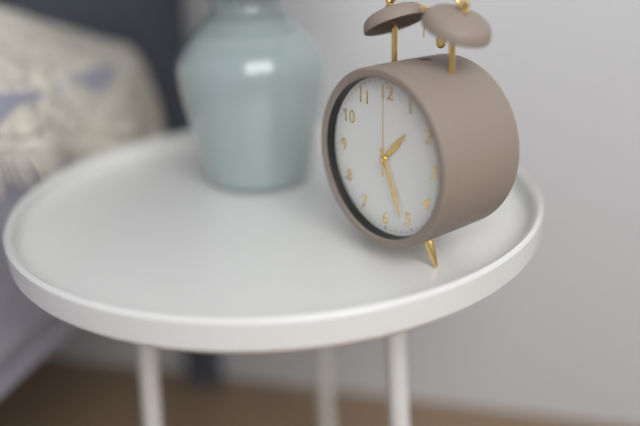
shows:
1,26,00
